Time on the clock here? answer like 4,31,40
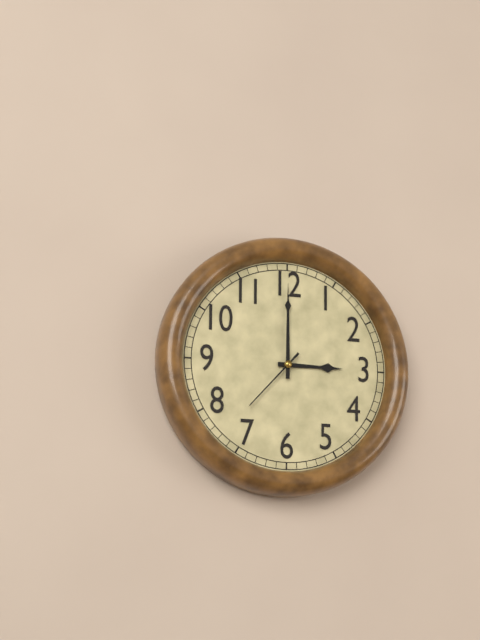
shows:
3,00,37
